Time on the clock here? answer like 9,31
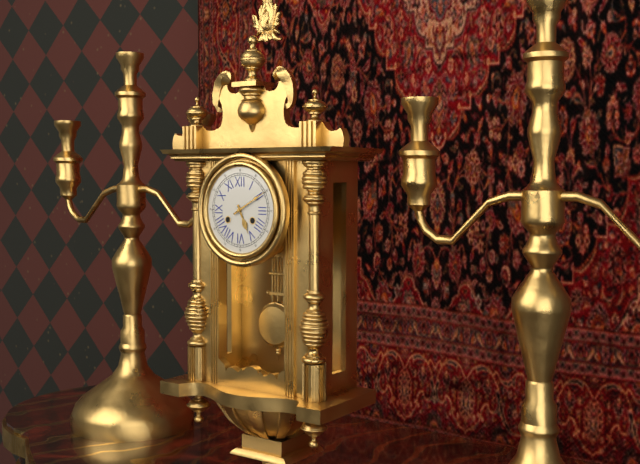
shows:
5,10
